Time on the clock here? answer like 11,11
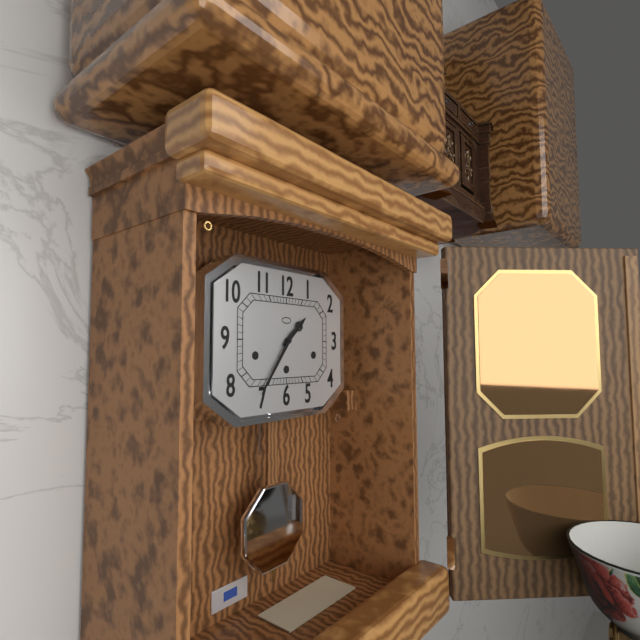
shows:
1,36
